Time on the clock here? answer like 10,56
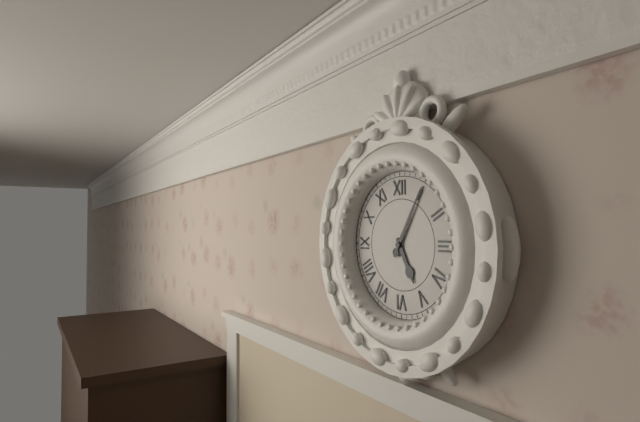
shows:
5,05
